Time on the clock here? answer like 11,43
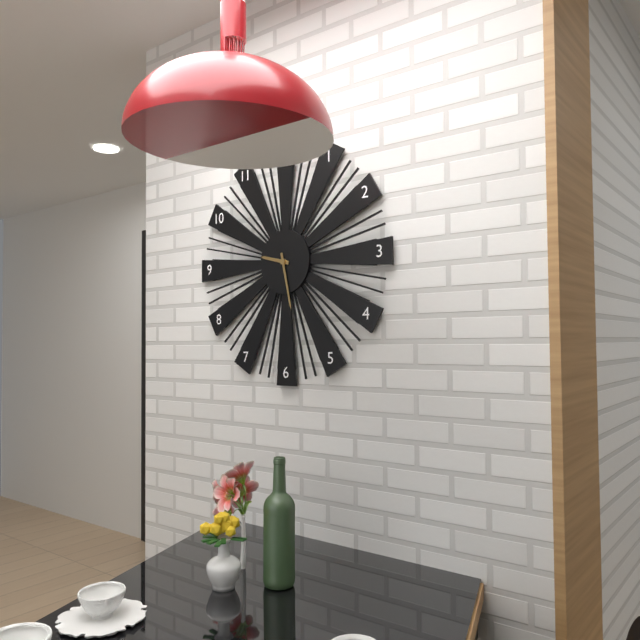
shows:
9,28
